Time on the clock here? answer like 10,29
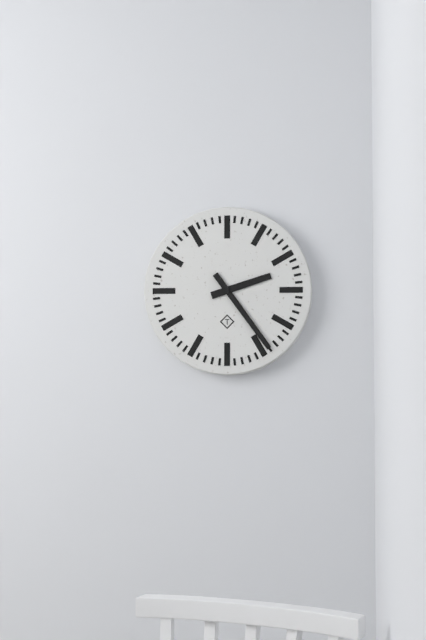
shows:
2,24
